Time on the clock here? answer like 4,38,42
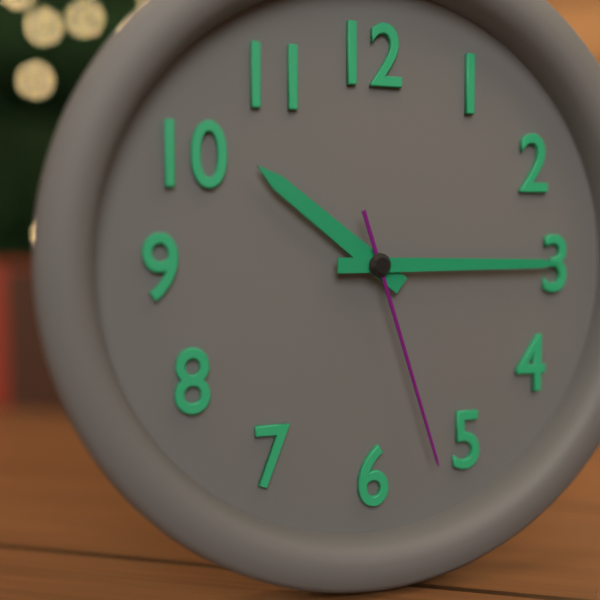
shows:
10,15,27
